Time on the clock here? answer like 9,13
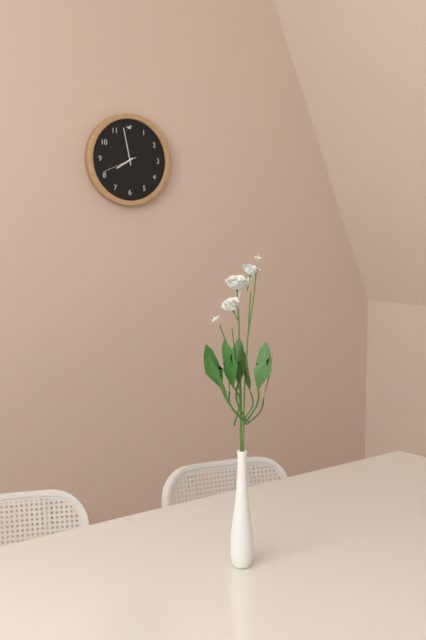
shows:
7,58
